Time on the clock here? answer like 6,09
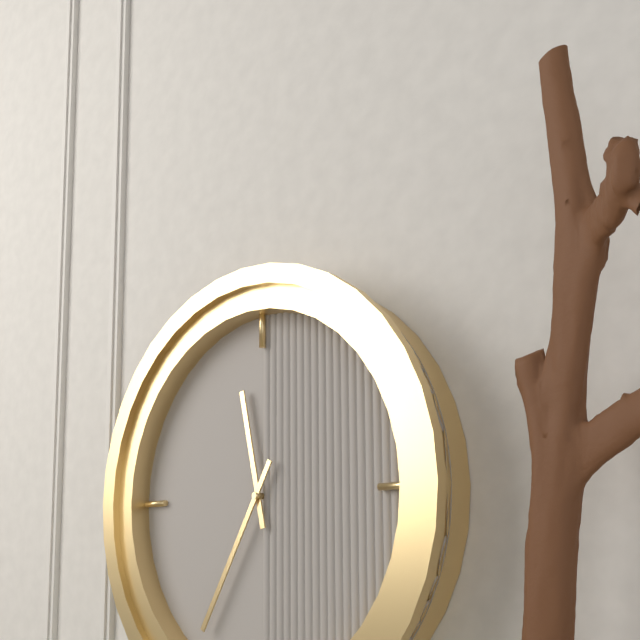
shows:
11,35
